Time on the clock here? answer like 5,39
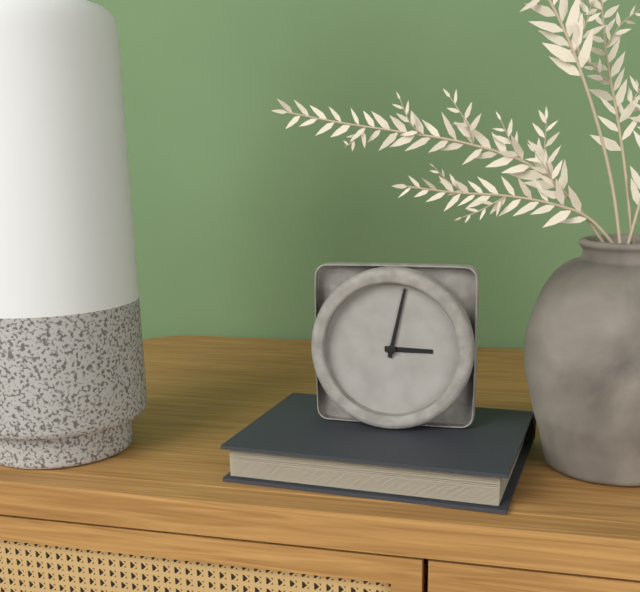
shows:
3,02
